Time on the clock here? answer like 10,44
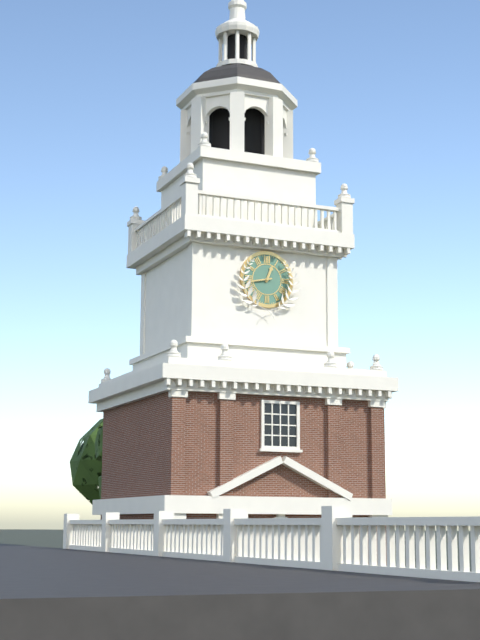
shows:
12,43
